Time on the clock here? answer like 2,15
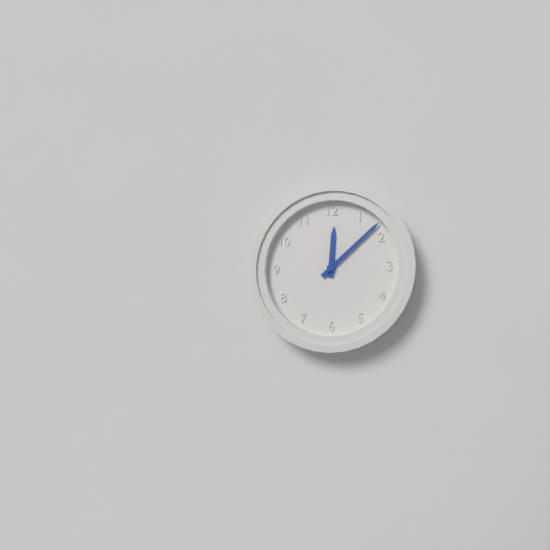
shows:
12,08
